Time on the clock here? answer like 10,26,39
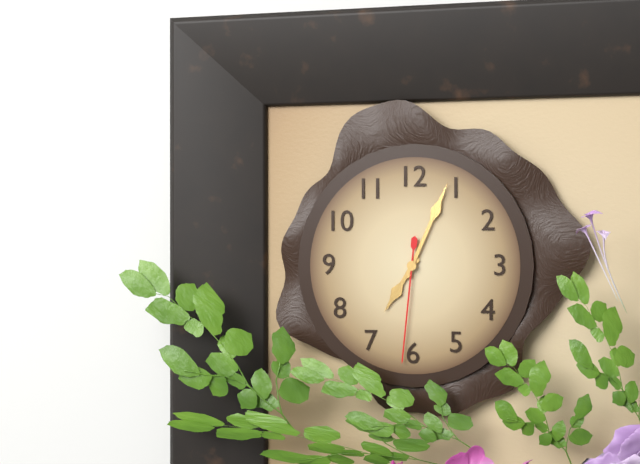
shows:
7,04,31
